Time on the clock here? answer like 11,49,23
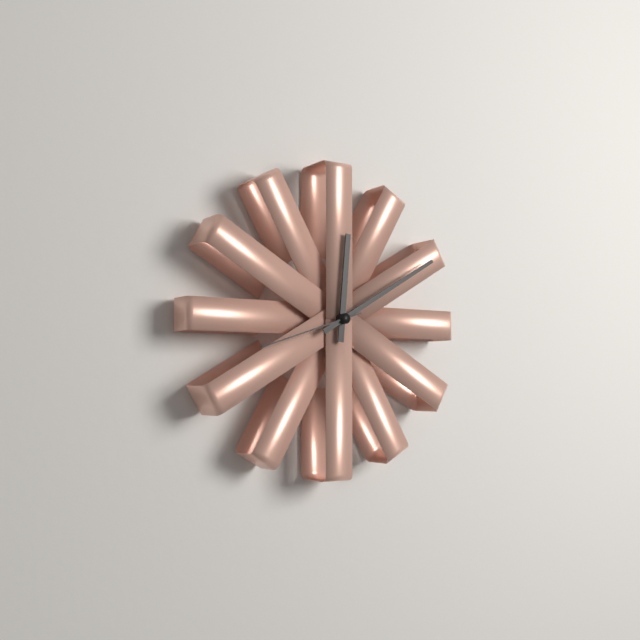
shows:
12,10,42
